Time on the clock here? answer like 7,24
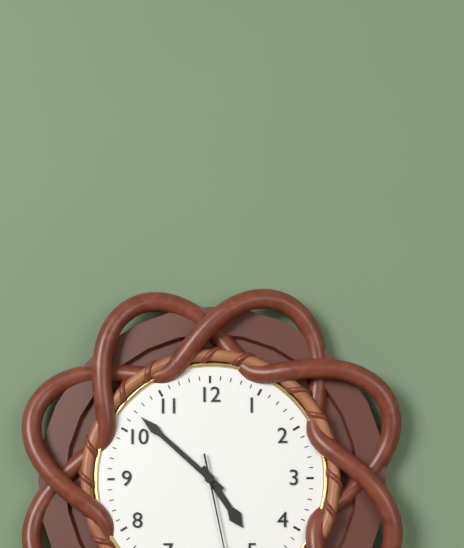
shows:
4,52
